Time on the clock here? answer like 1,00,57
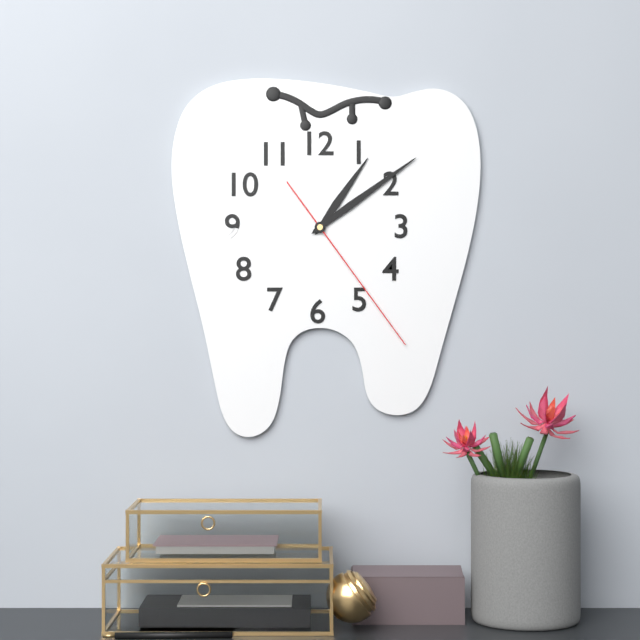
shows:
1,09,24
